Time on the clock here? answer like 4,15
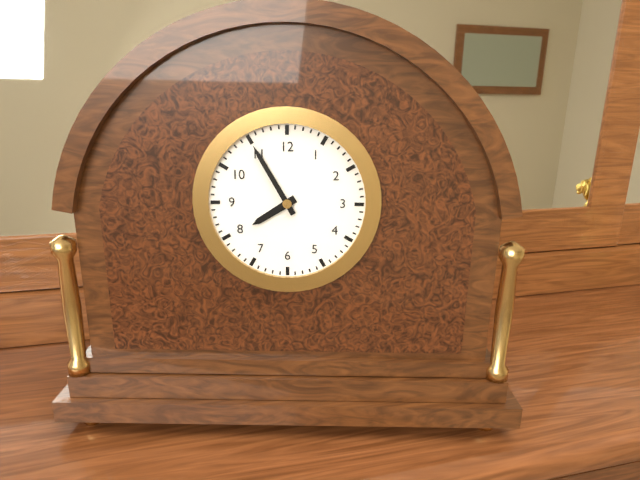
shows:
7,55
